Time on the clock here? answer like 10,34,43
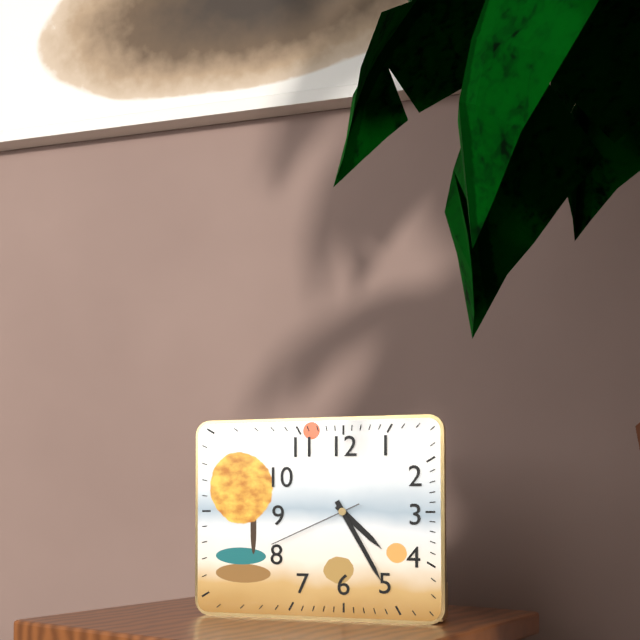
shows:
4,25,41
